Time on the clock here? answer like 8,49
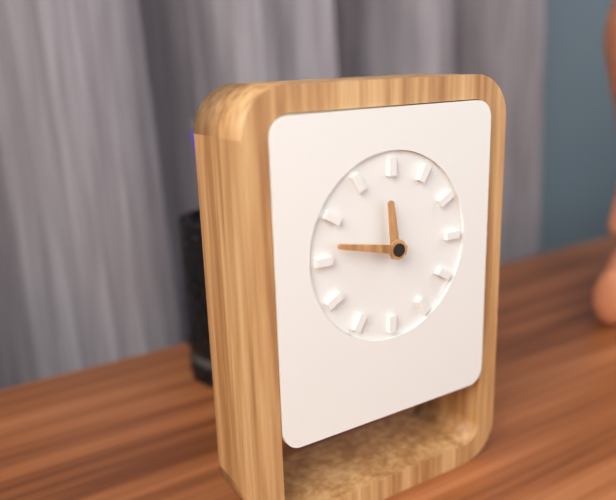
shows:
11,47
